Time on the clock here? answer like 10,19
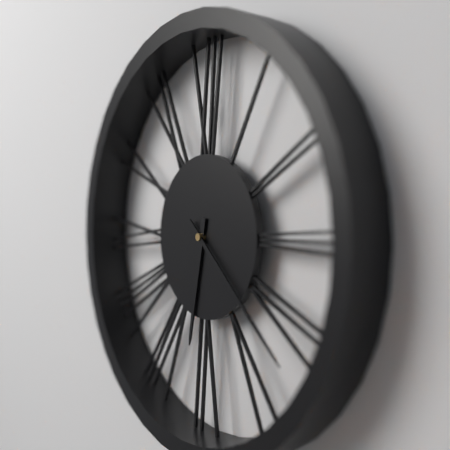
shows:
6,22
